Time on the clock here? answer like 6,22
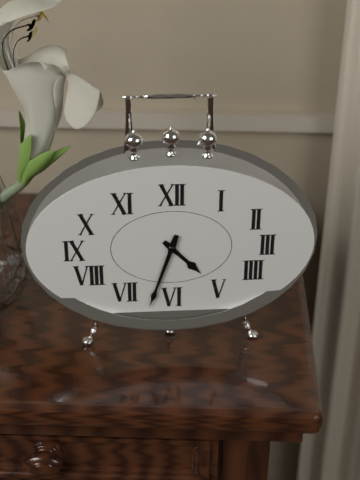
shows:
4,33
